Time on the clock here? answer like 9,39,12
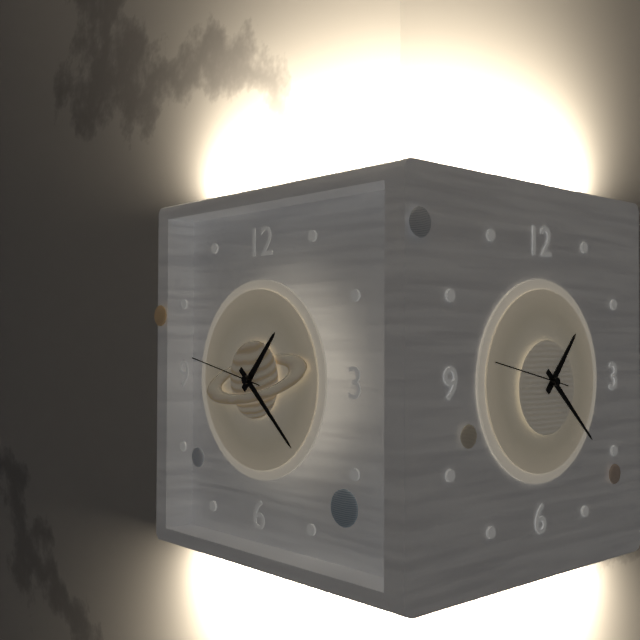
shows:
1,22,47
